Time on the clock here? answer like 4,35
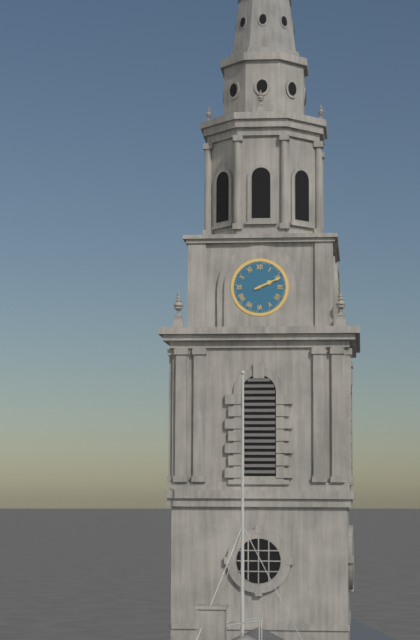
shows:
2,11
